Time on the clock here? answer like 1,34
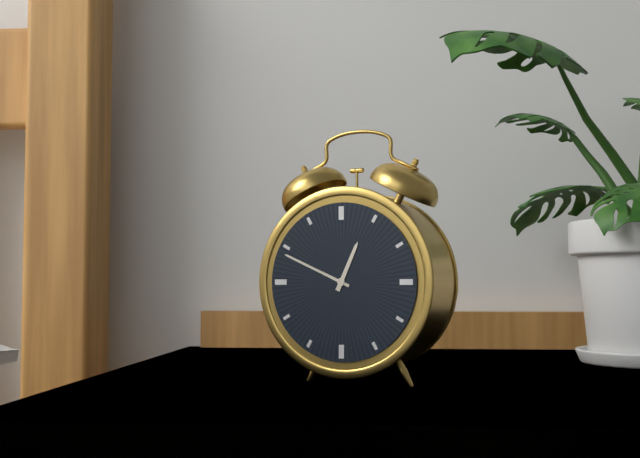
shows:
12,49
